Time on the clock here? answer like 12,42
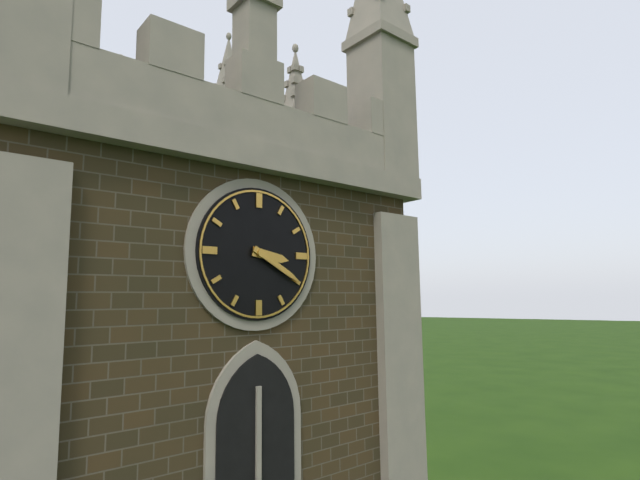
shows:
3,20
